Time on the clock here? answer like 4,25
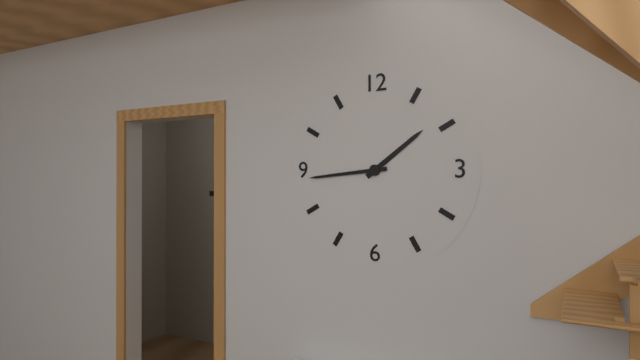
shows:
1,44
